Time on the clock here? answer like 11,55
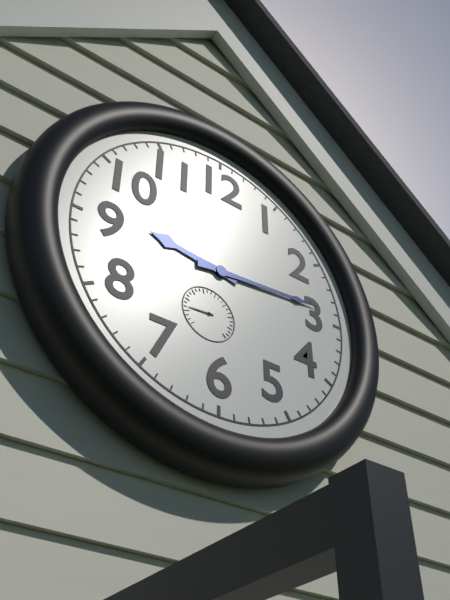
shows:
9,14
